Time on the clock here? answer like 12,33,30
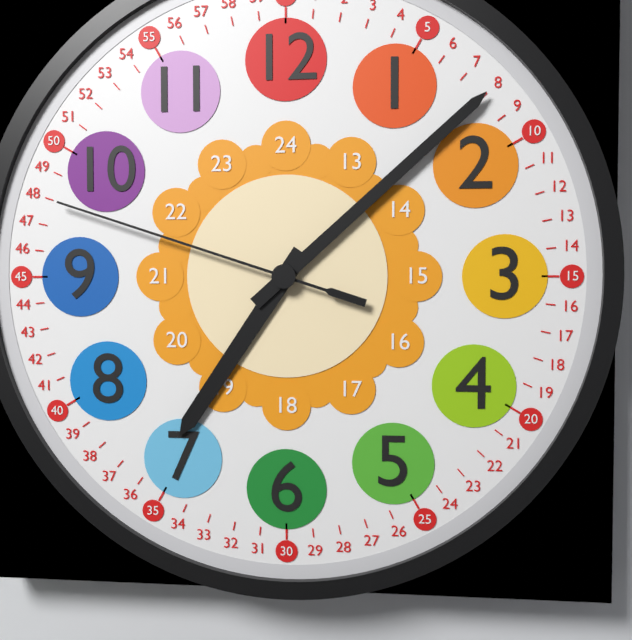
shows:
7,08,48
